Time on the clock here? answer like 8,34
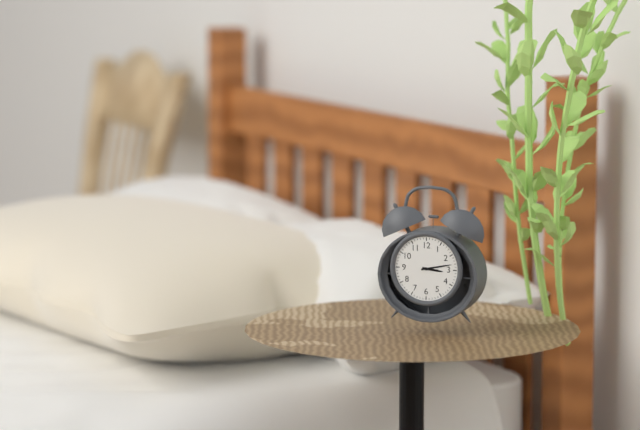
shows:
3,13
